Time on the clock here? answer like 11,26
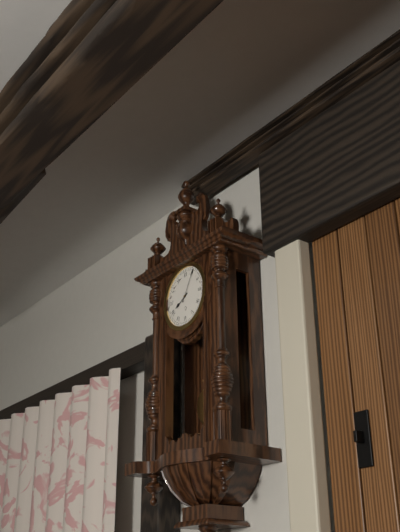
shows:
8,05
